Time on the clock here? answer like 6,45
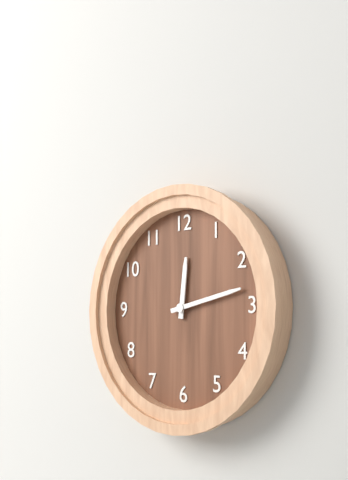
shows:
12,13
